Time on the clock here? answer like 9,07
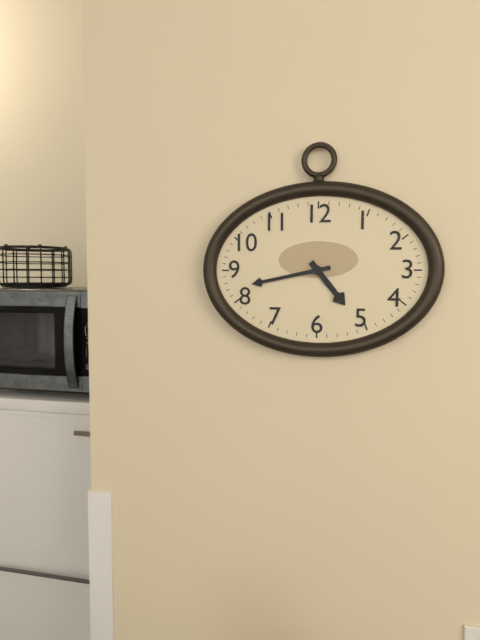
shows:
4,43
